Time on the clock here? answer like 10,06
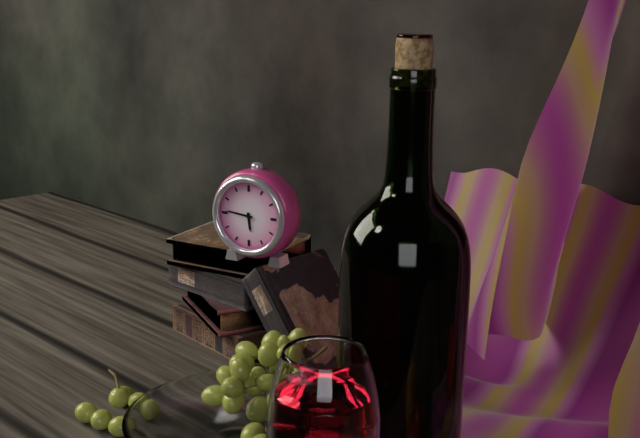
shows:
5,46
